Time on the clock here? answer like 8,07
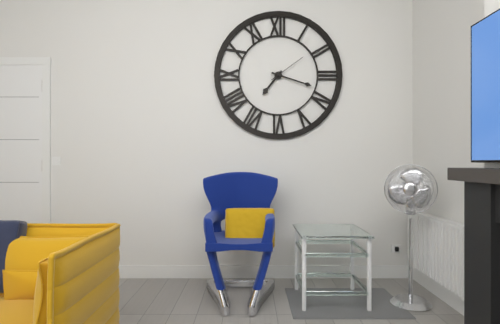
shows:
7,18
